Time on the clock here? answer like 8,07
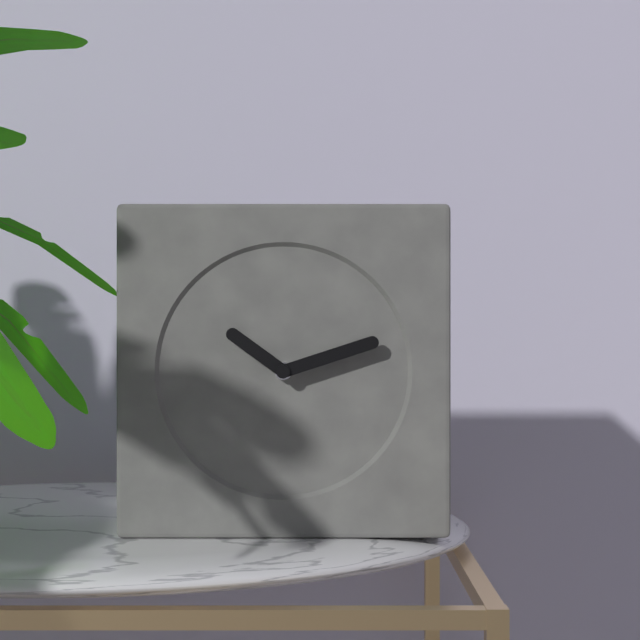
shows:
10,12
